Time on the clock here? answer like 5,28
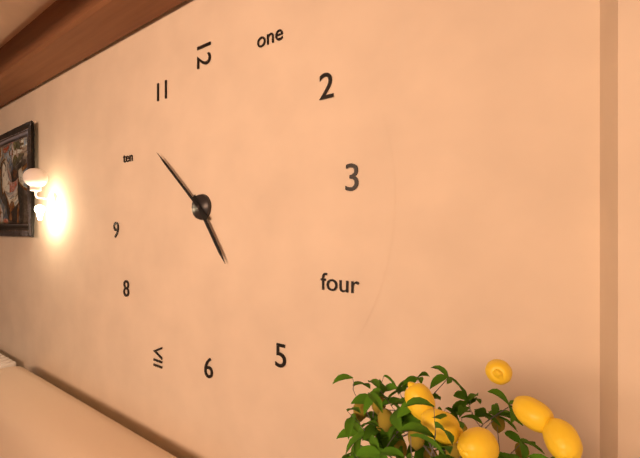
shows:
4,52
